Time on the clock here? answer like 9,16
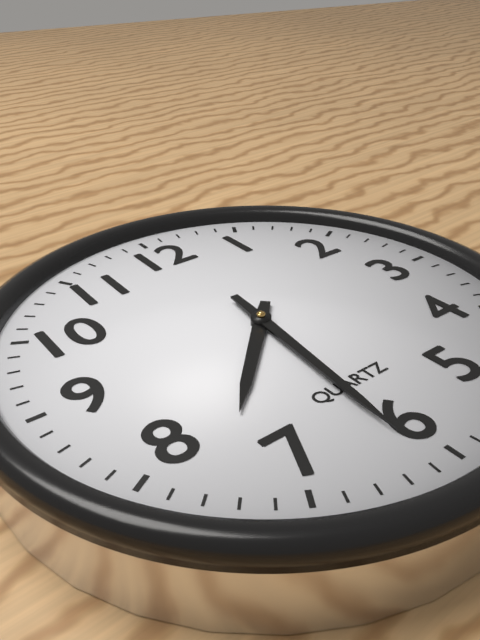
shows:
7,31
